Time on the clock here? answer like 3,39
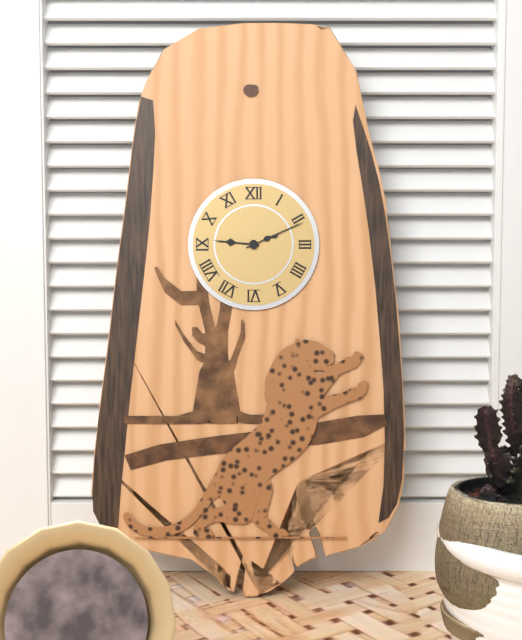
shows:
9,11
